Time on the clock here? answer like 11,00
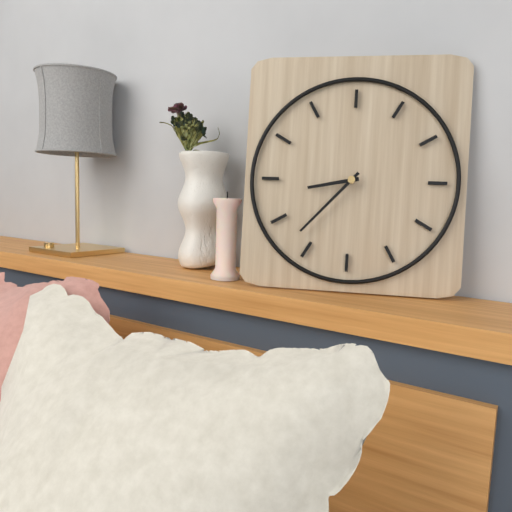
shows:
8,37
